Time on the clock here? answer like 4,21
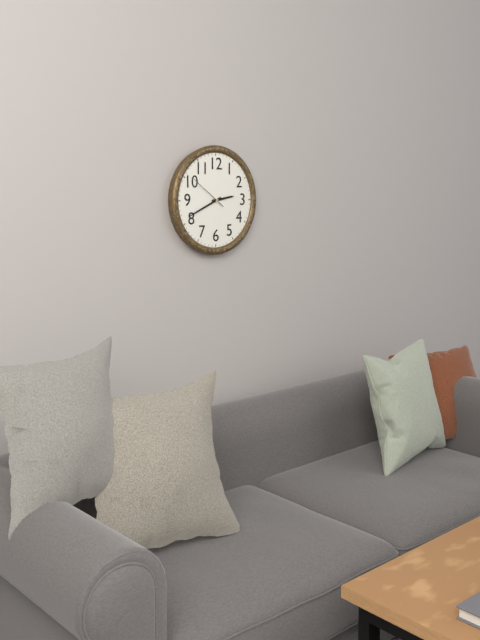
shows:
2,41
